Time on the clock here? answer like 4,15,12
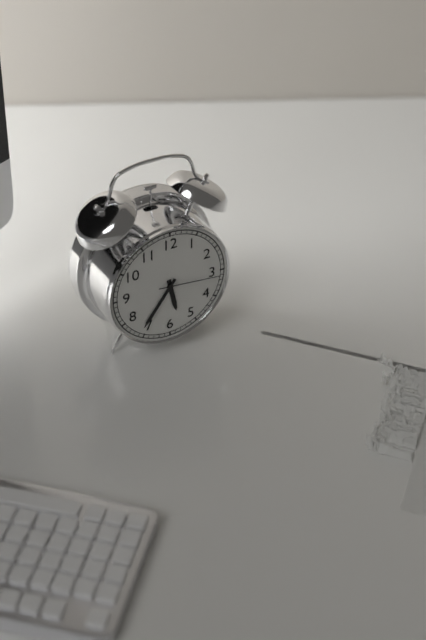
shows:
5,36,16
